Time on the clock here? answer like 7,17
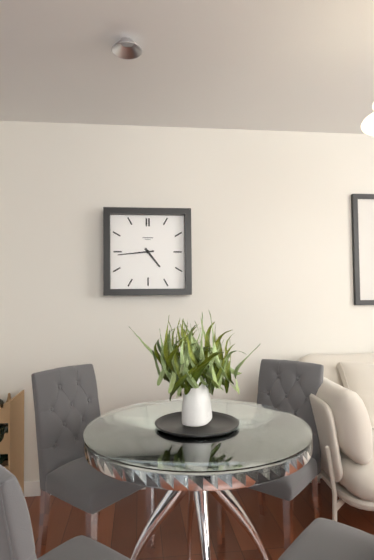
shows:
4,44
